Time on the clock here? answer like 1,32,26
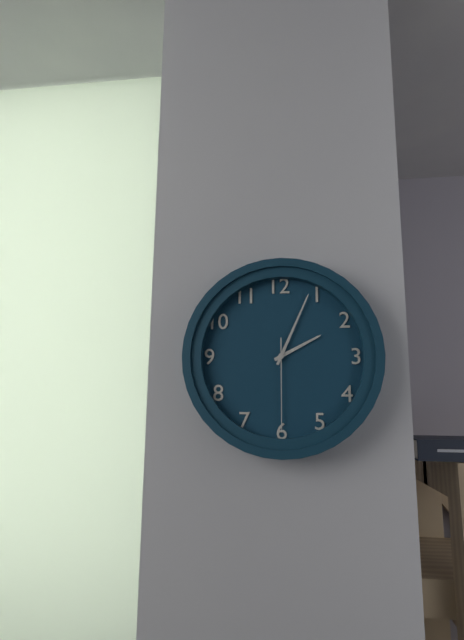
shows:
2,04,30
